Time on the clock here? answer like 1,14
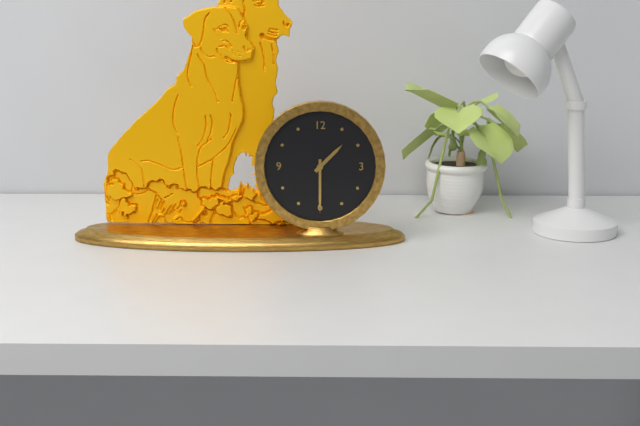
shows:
1,30
